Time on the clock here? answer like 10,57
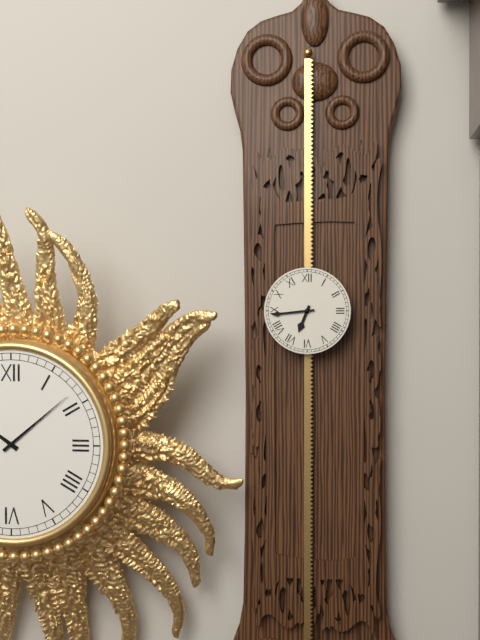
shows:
6,44
